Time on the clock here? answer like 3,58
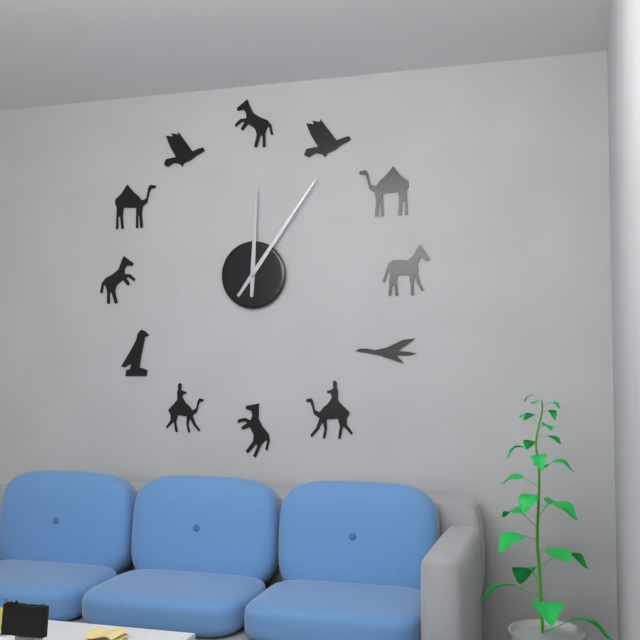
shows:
12,06
